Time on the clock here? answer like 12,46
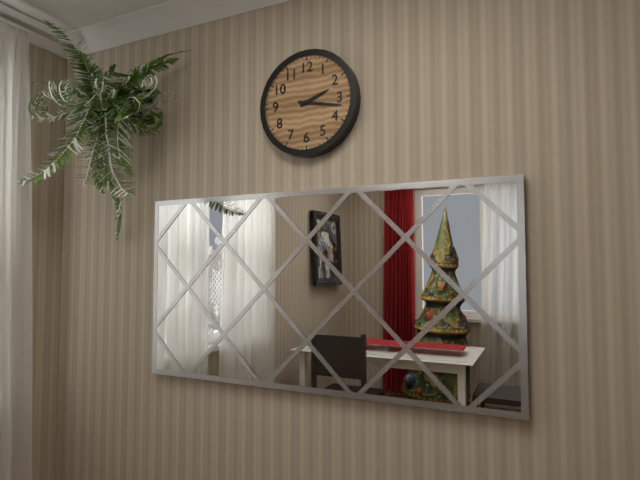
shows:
2,17
